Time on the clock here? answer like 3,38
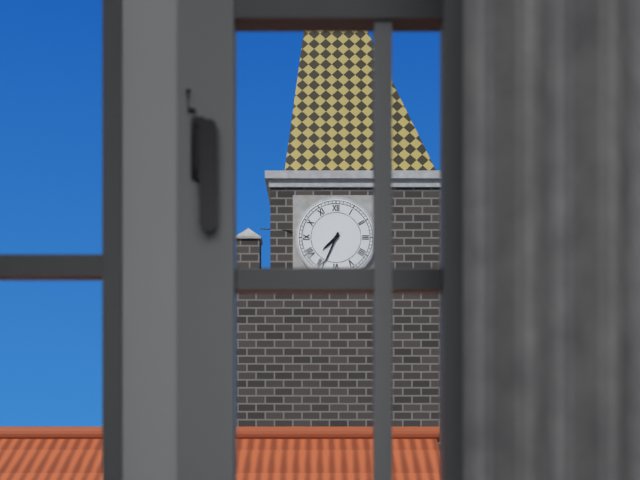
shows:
7,34
